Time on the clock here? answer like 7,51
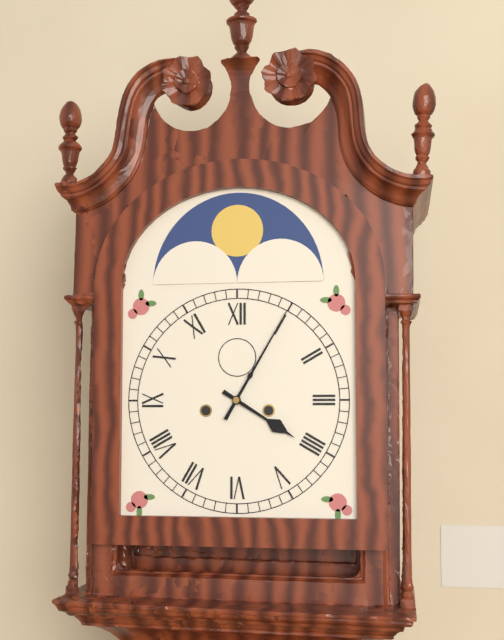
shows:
4,05
